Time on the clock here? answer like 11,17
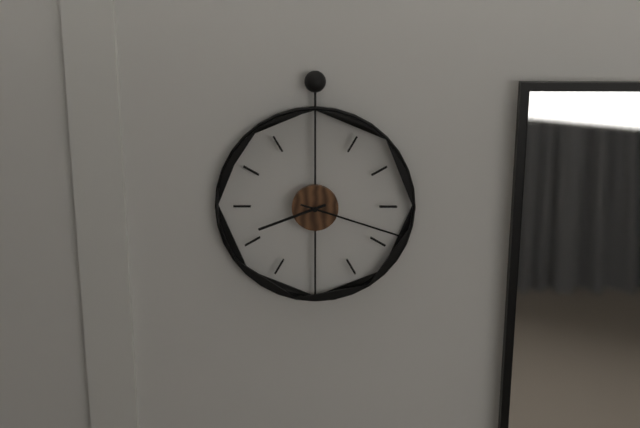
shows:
8,18
